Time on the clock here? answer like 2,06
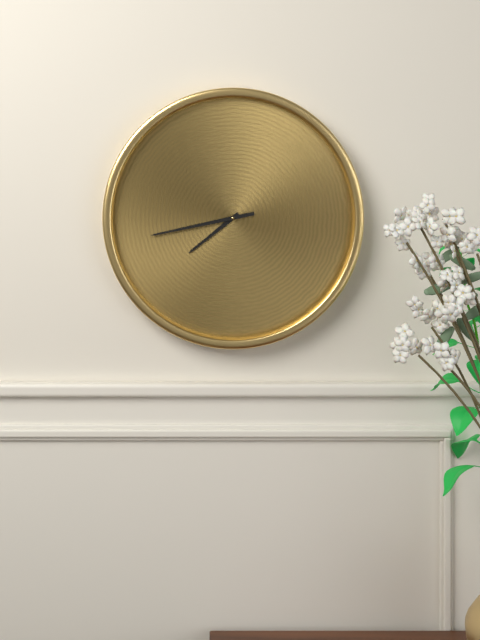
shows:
7,43
